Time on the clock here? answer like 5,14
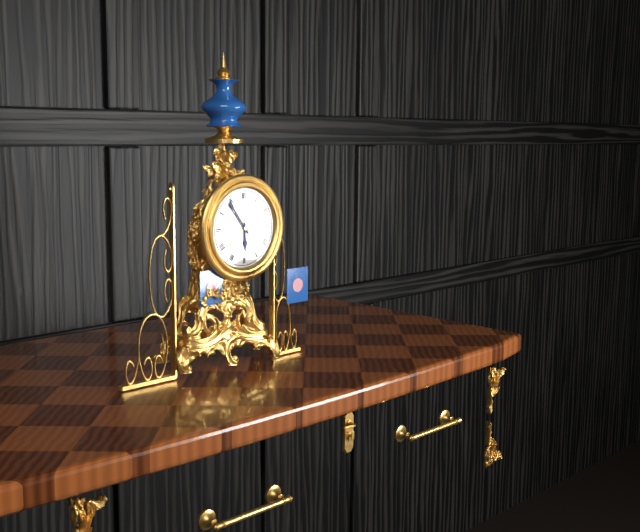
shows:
5,54
